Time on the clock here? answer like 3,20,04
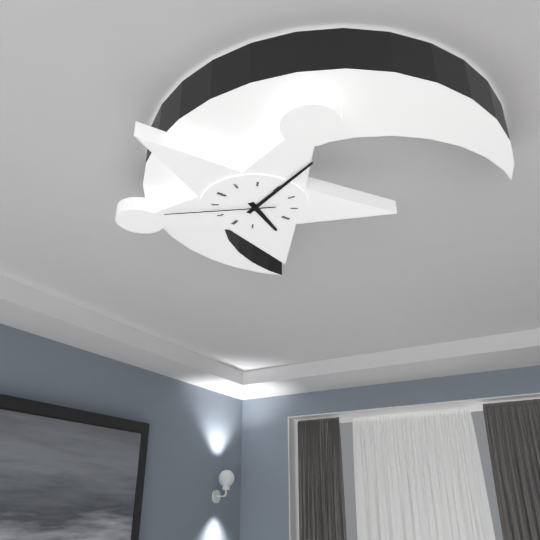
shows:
4,00,38
